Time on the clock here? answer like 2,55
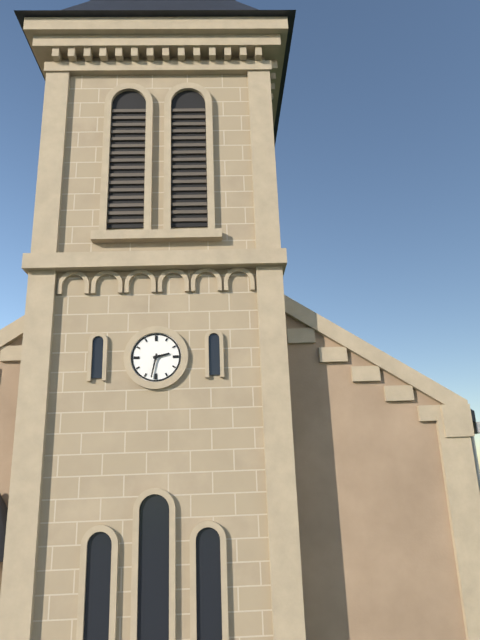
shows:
2,32
